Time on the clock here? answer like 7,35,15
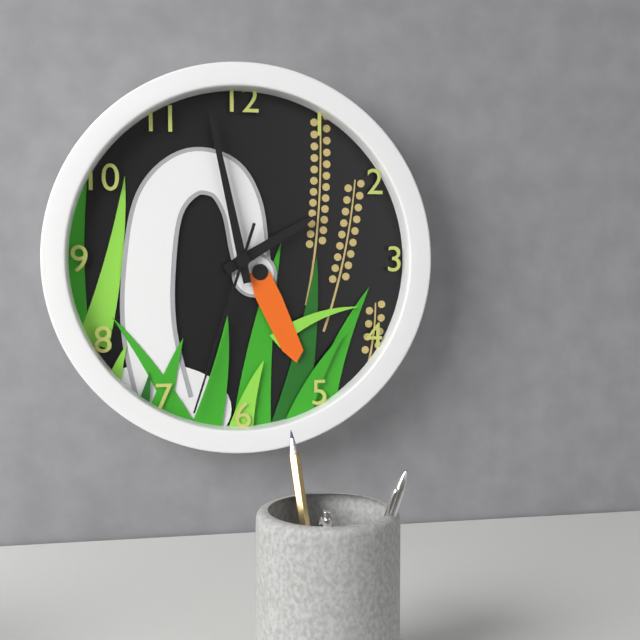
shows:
1,58,33
